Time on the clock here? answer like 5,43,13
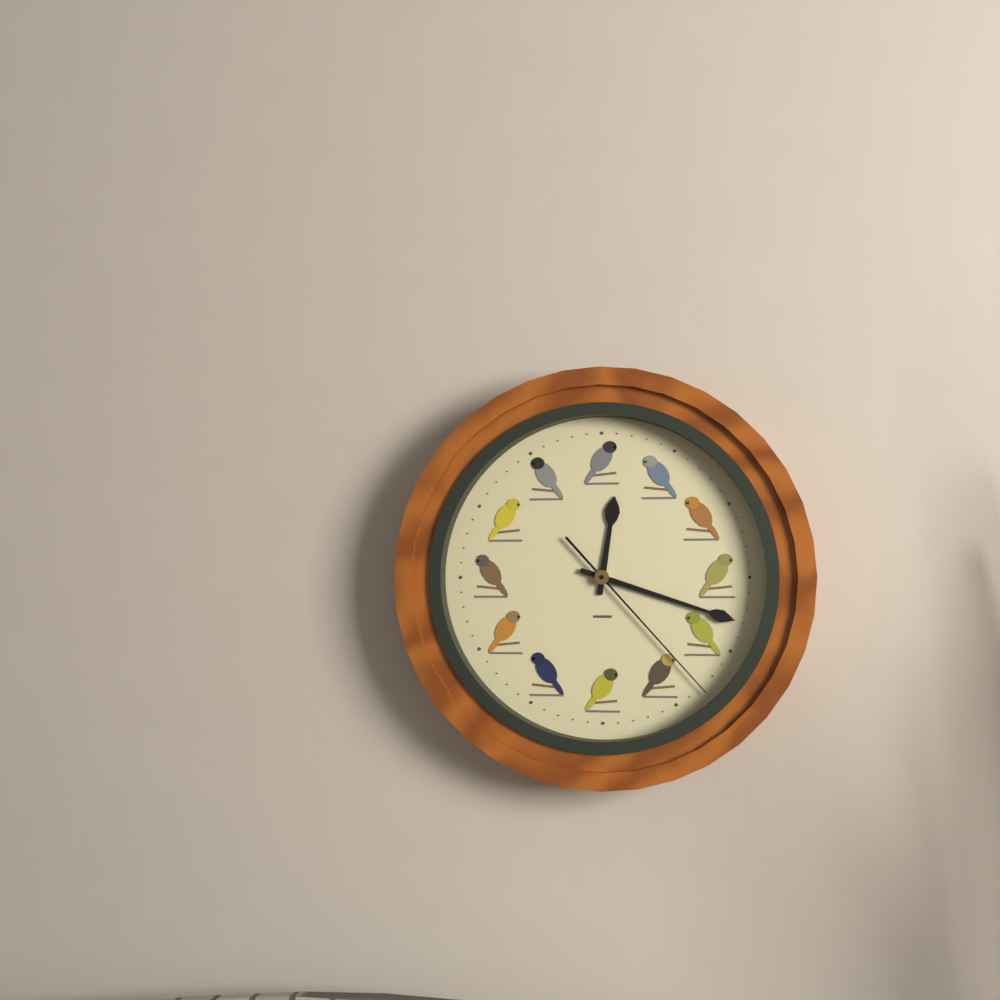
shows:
12,18,23
